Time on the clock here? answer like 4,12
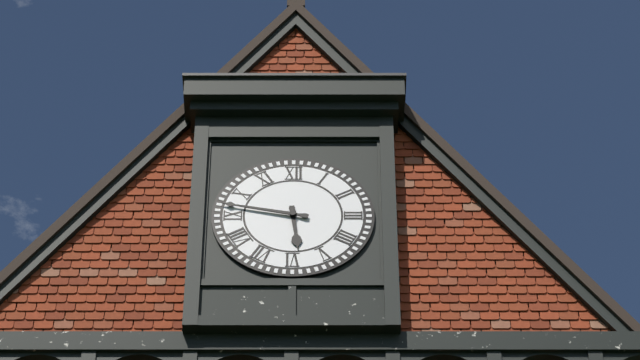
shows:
5,47
